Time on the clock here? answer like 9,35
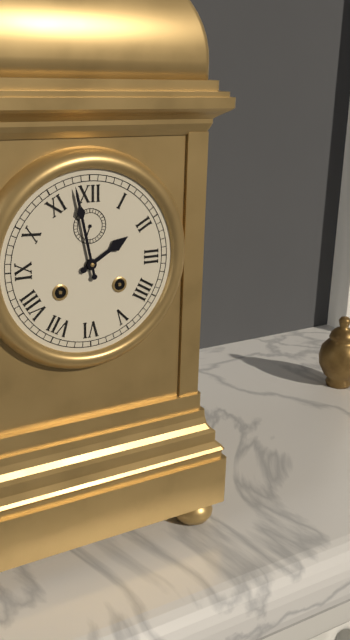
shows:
1,58
